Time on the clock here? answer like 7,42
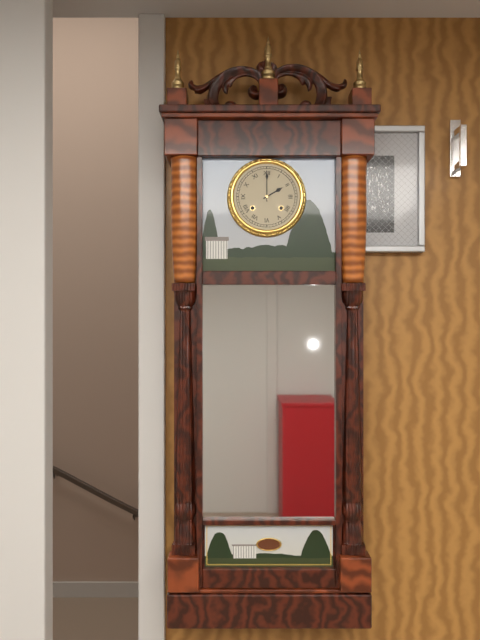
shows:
2,00
